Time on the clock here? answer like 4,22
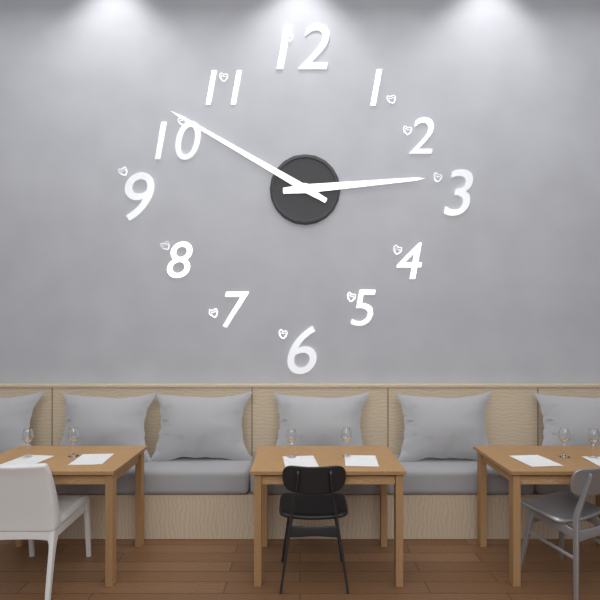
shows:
2,50
